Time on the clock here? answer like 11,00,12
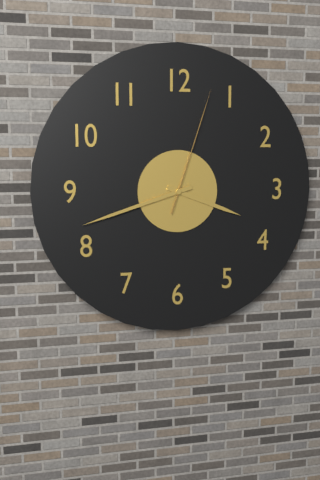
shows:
3,42,03
